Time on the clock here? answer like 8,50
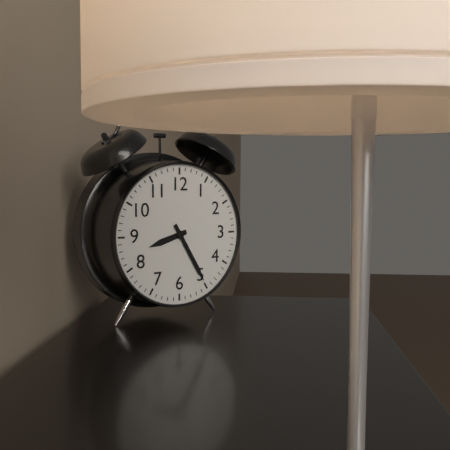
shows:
8,25
